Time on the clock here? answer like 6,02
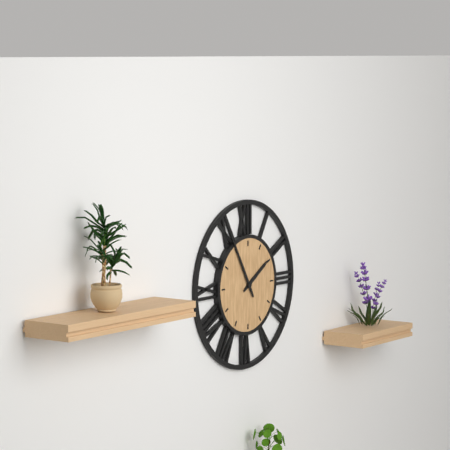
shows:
1,55
